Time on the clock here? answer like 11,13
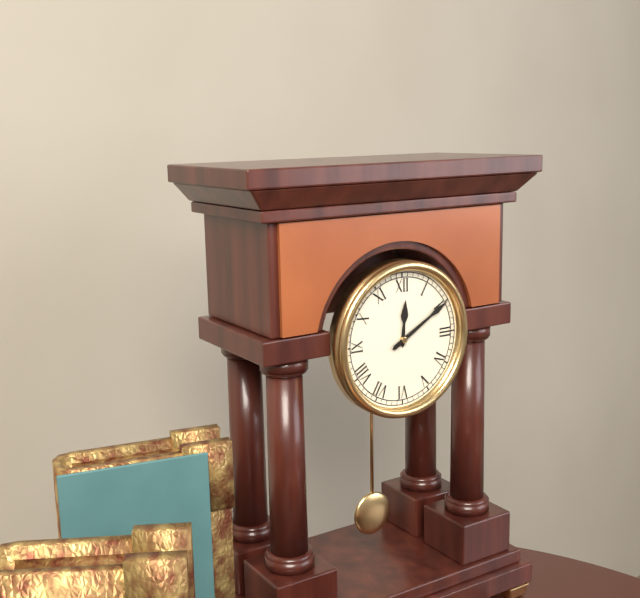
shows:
12,10
